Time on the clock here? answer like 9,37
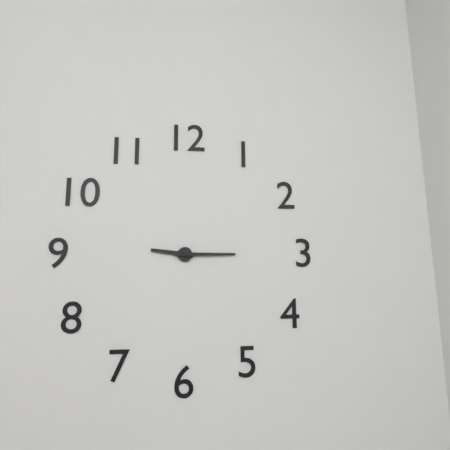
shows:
9,15
